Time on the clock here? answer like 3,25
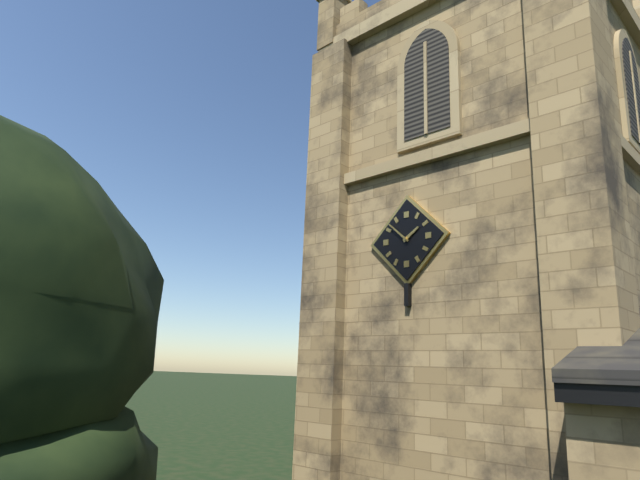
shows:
1,52
